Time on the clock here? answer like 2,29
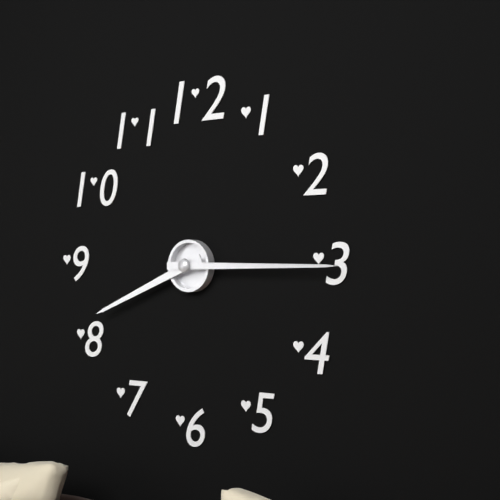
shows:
8,15
